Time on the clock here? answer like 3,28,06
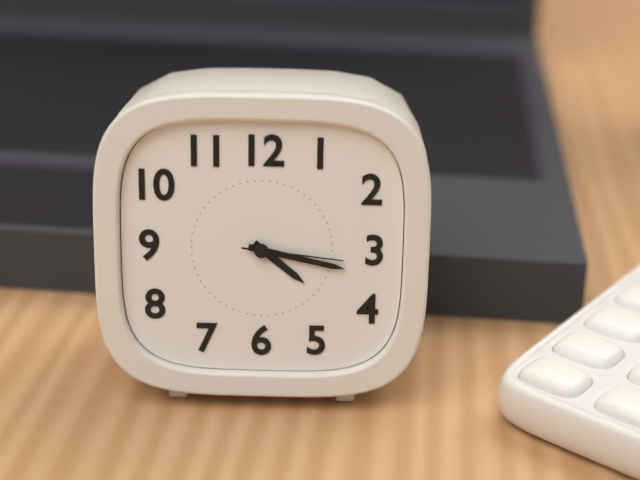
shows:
4,17,16
